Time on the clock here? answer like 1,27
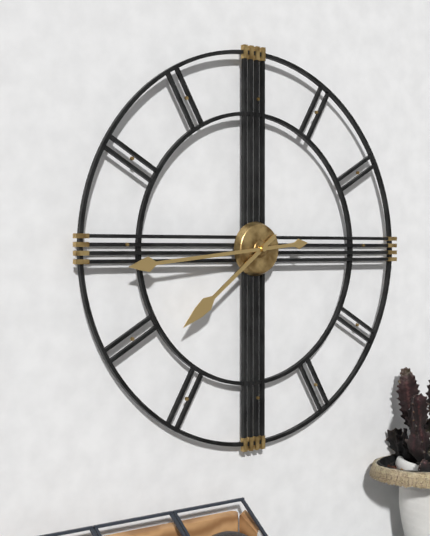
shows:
7,44
